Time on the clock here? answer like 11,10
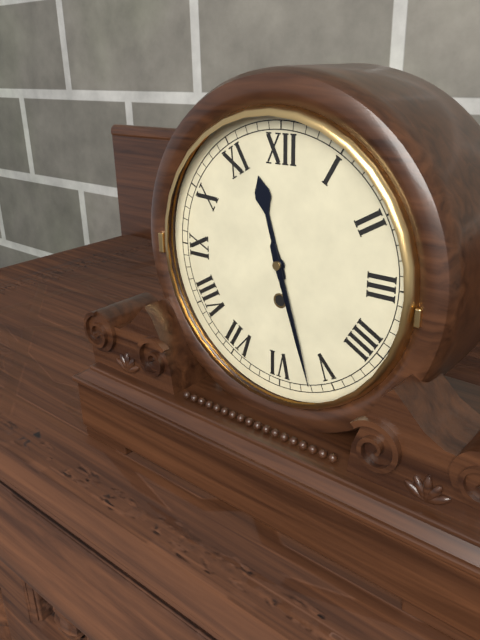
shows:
11,27
